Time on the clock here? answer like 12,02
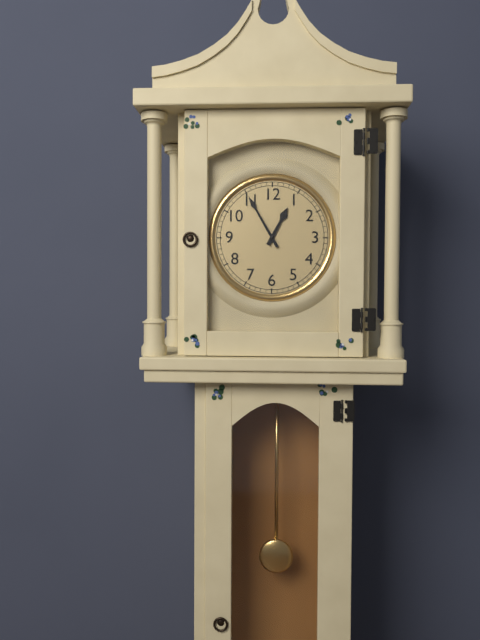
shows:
12,55
